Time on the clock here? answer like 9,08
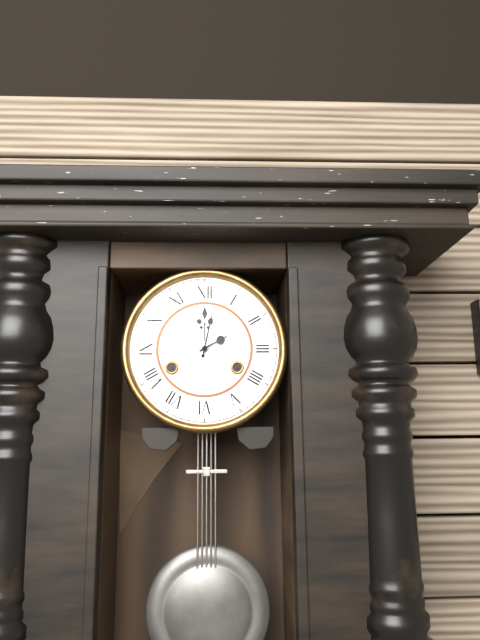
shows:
2,02
